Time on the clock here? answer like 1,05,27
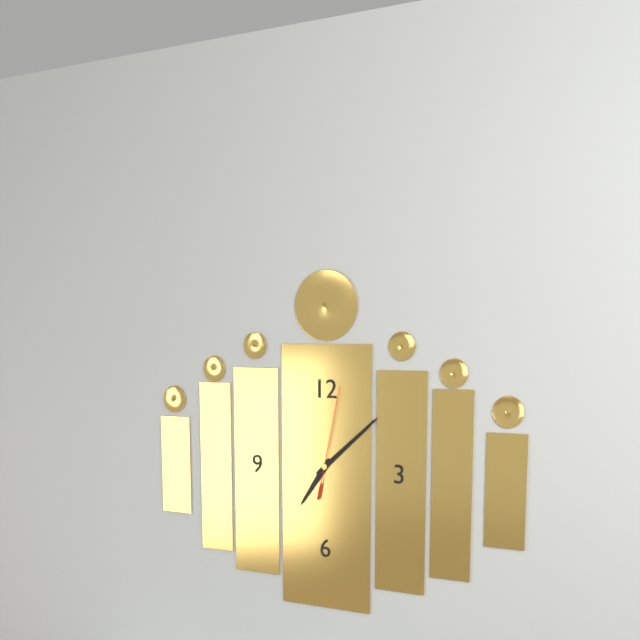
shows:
7,08,02
